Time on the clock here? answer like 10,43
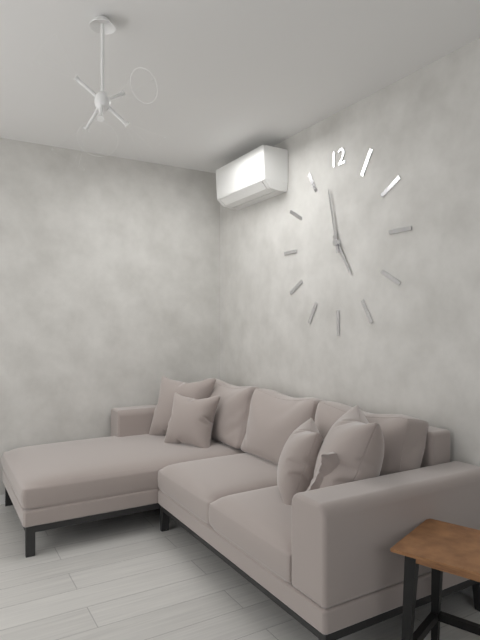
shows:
4,58
